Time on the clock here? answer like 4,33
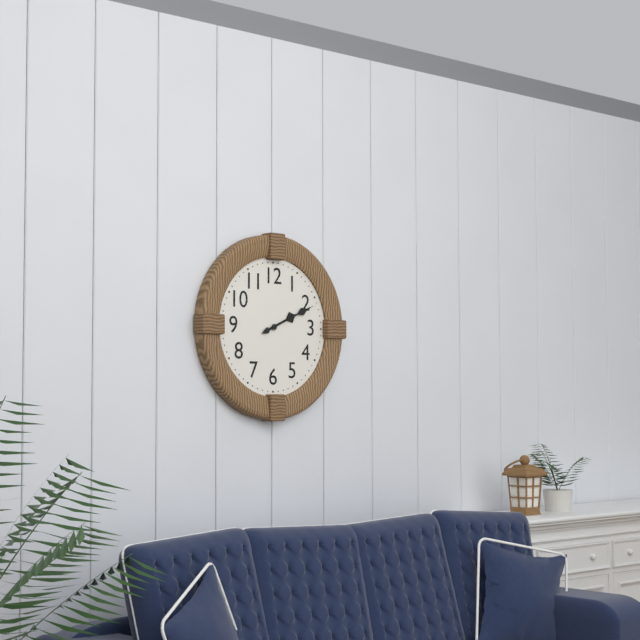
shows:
2,11
